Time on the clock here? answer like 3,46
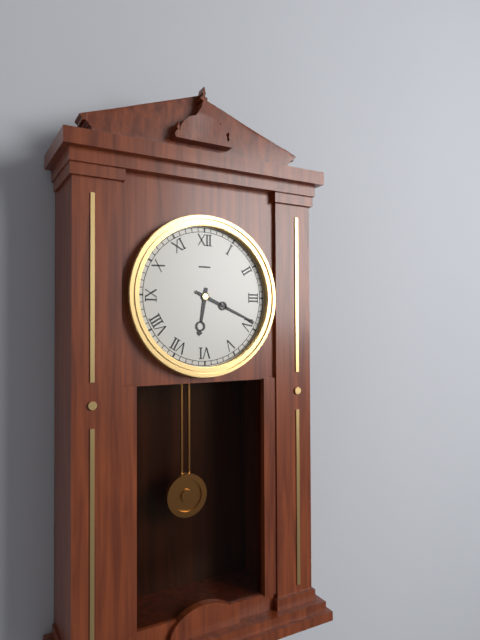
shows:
6,19
